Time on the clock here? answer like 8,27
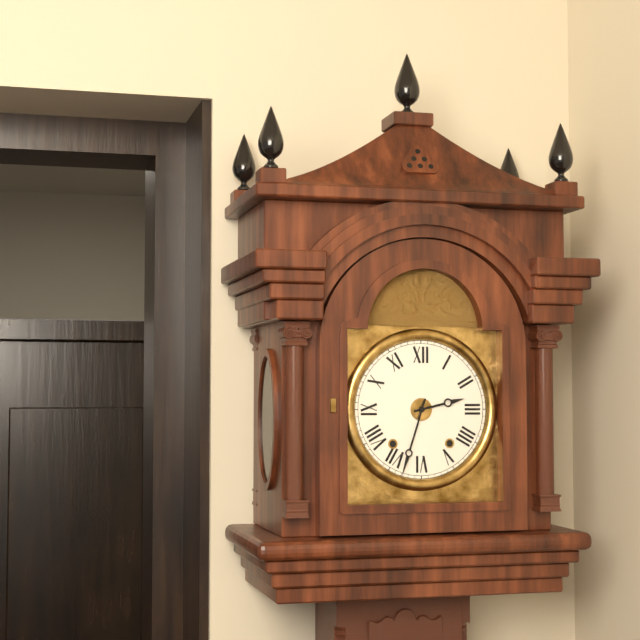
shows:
2,33
